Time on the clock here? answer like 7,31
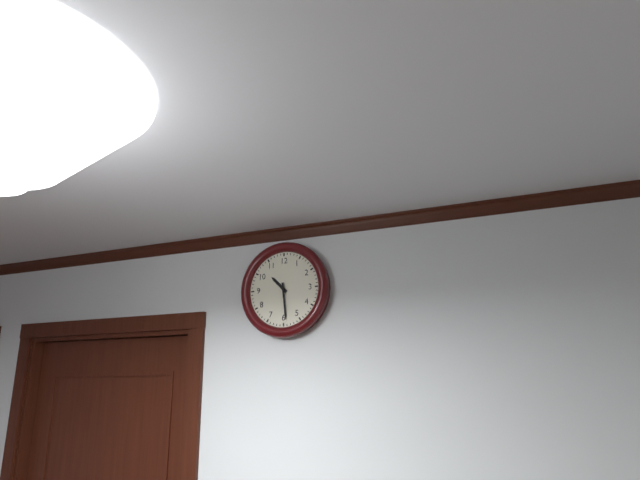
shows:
10,29
